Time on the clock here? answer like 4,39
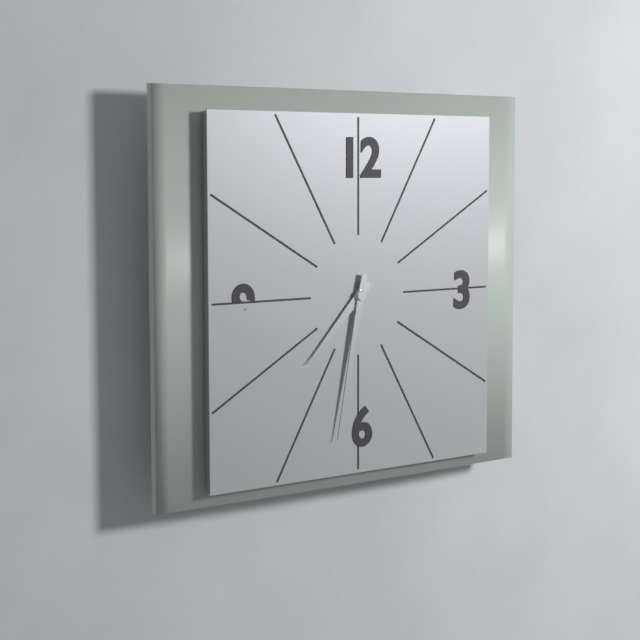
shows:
7,32
